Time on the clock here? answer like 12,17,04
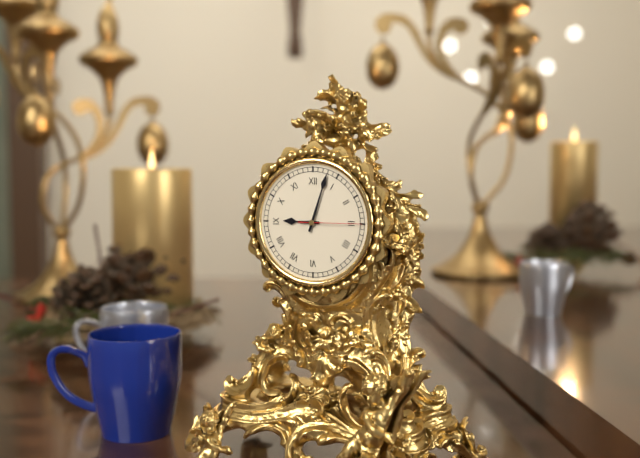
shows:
9,03,15
